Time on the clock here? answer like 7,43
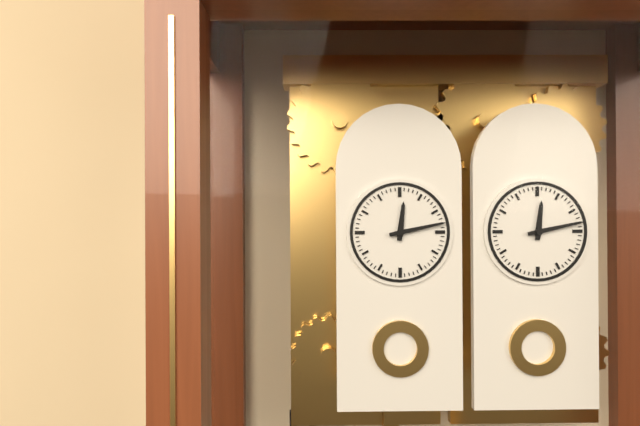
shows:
12,13
